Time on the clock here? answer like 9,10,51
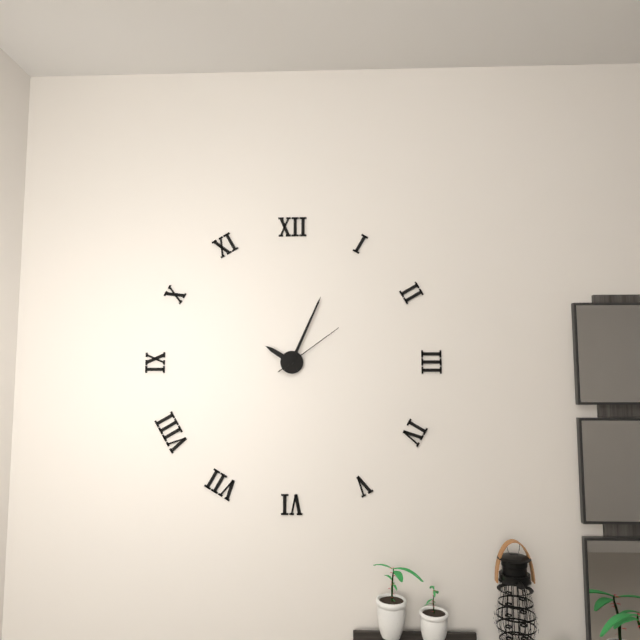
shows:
10,04,09
